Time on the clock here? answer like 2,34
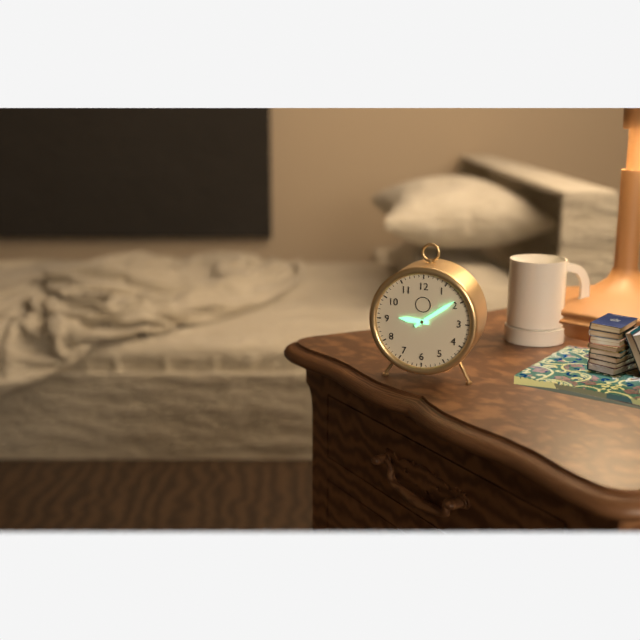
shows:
9,09
